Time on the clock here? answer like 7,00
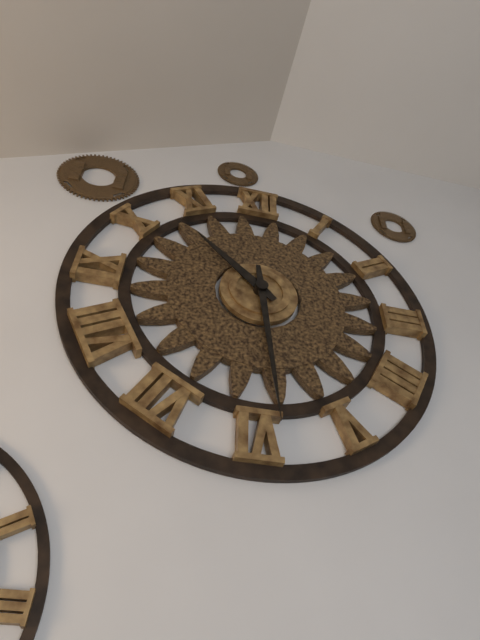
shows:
10,29
